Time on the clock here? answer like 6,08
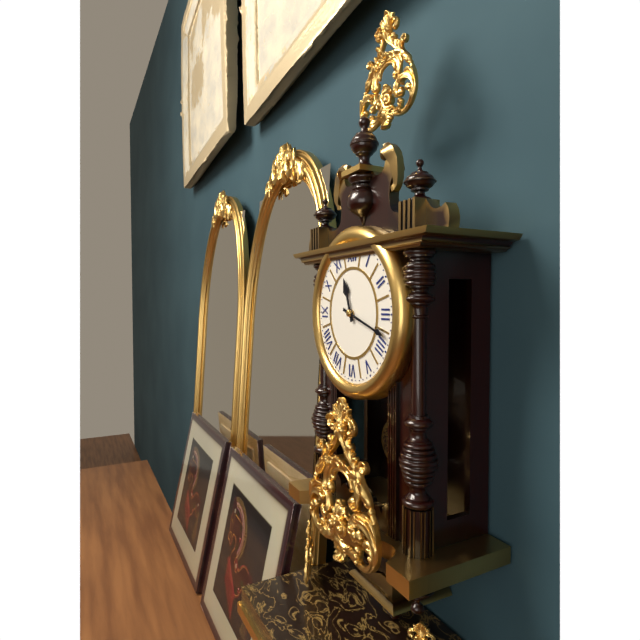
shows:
11,18
